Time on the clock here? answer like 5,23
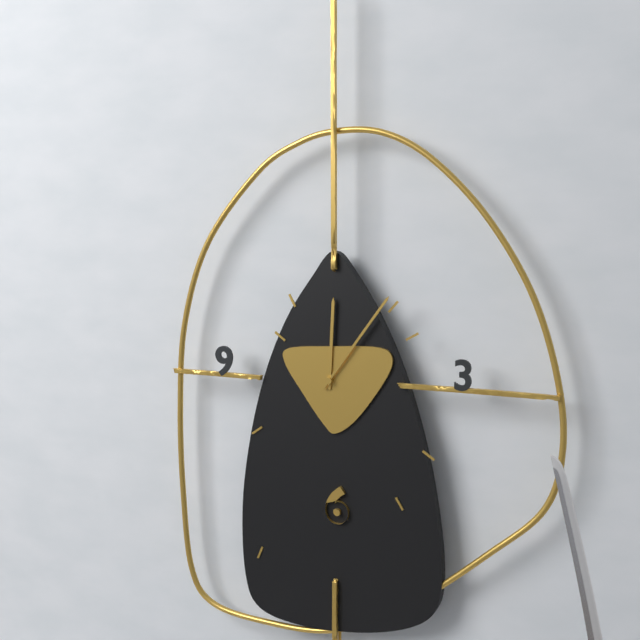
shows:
12,06
